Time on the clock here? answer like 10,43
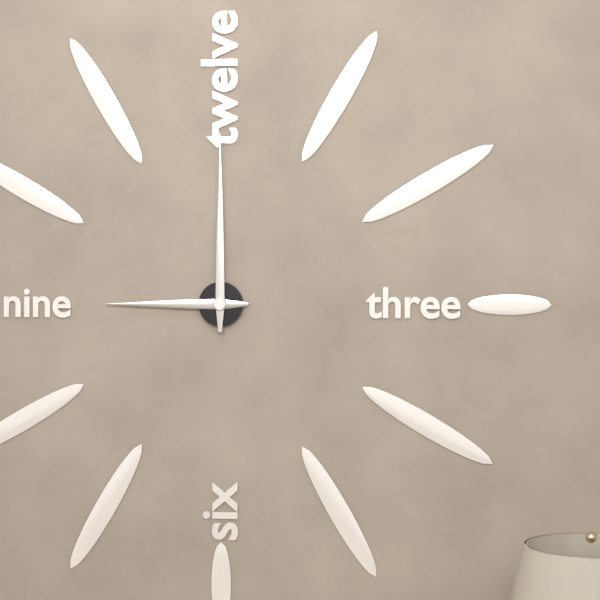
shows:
9,00
